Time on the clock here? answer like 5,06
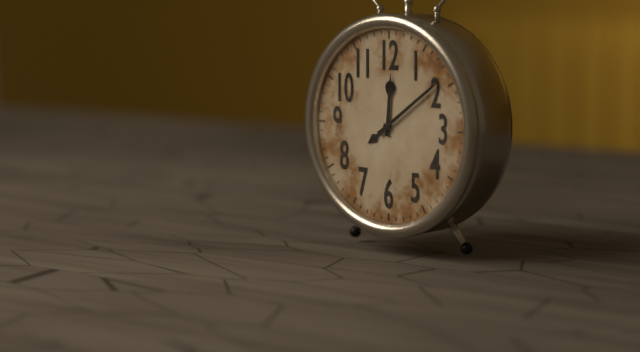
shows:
12,09
